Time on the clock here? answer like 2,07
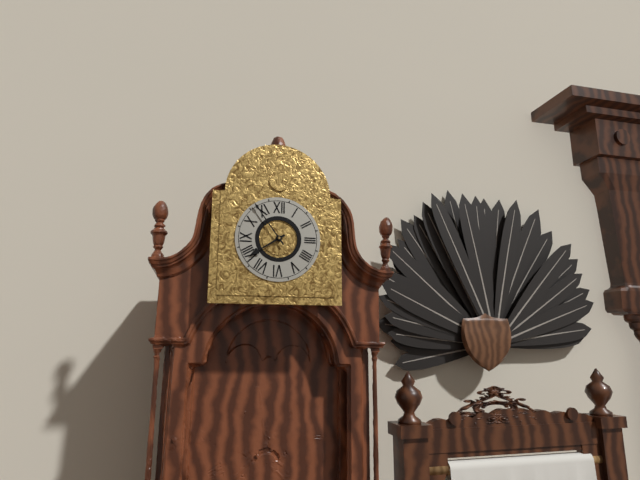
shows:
7,54
